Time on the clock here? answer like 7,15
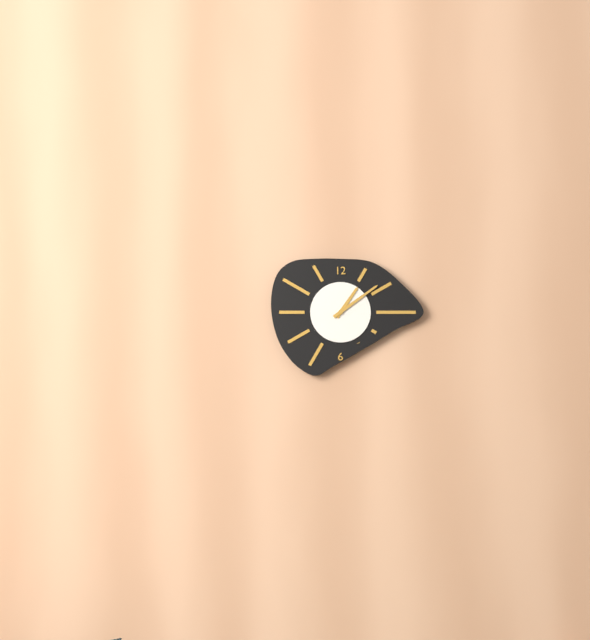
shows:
1,09
